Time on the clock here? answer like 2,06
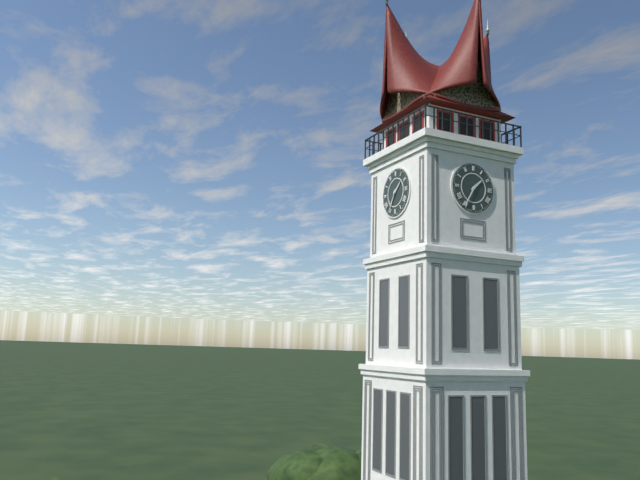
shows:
1,35
